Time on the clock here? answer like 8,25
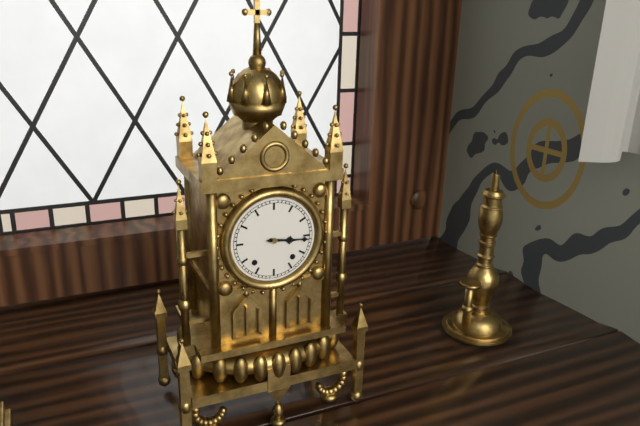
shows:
3,16
